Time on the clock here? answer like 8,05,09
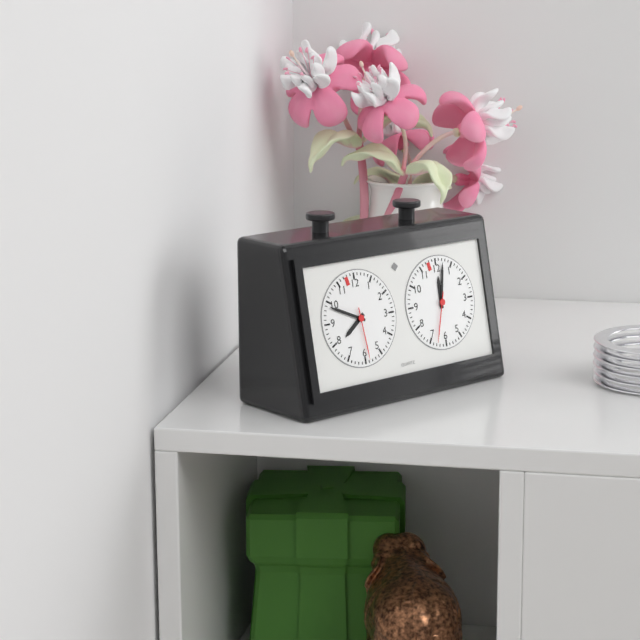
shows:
7,49,29
